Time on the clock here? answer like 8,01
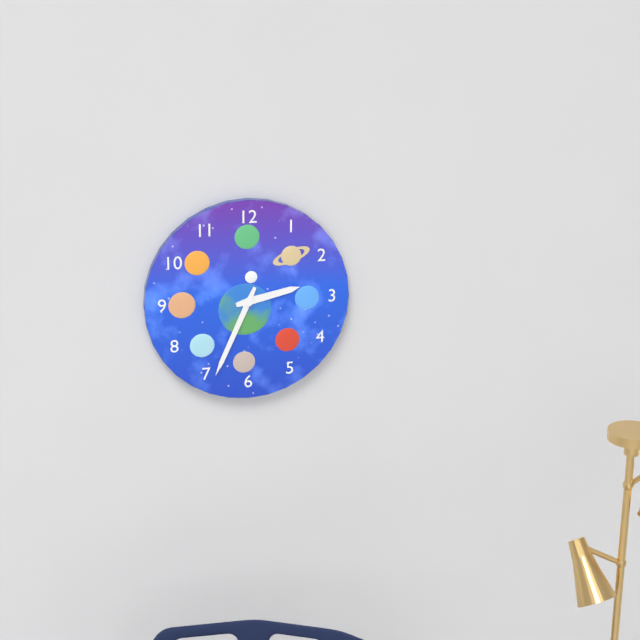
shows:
2,34
